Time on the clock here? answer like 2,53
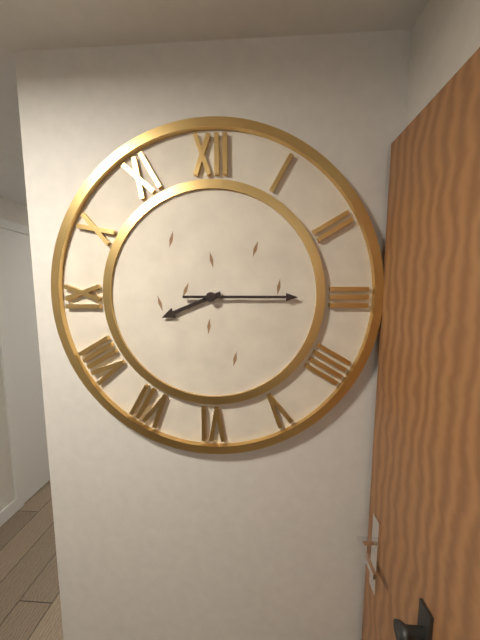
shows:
8,15
